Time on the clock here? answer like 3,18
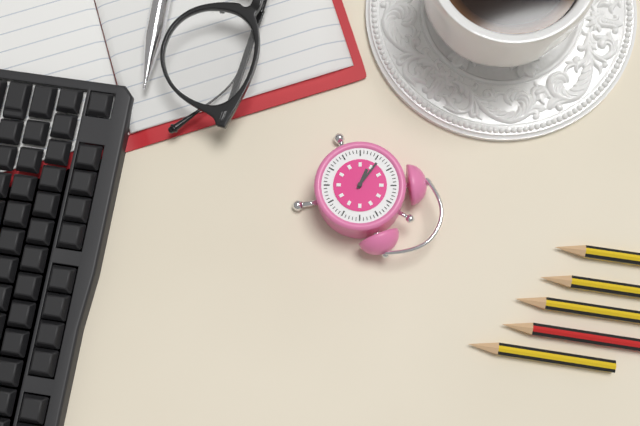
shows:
8,46
